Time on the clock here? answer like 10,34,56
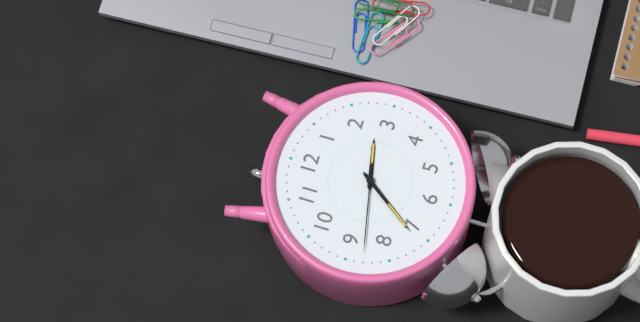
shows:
2,36,43
